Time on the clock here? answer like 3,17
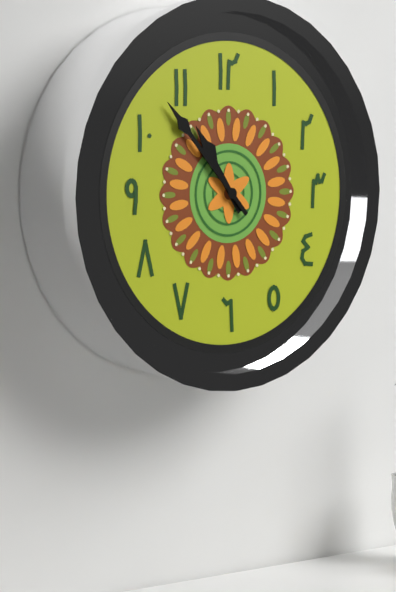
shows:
10,53
